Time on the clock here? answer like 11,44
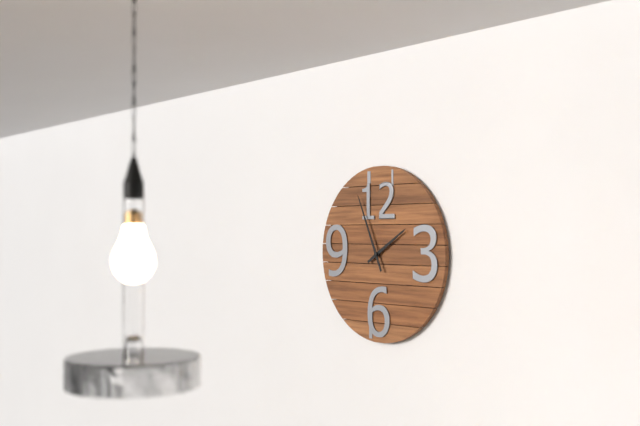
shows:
1,56
